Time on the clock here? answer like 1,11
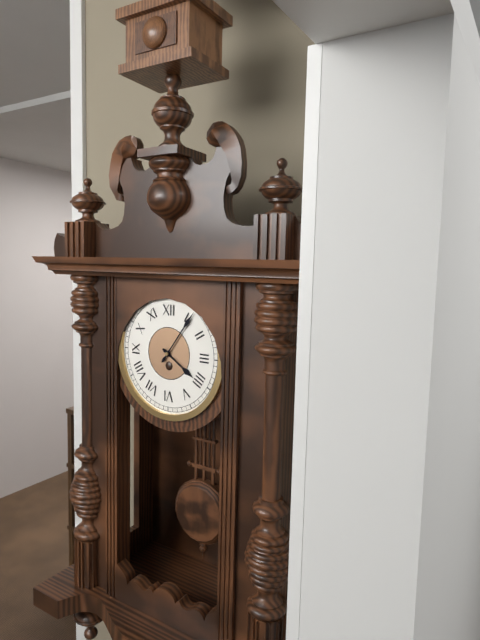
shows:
4,06
